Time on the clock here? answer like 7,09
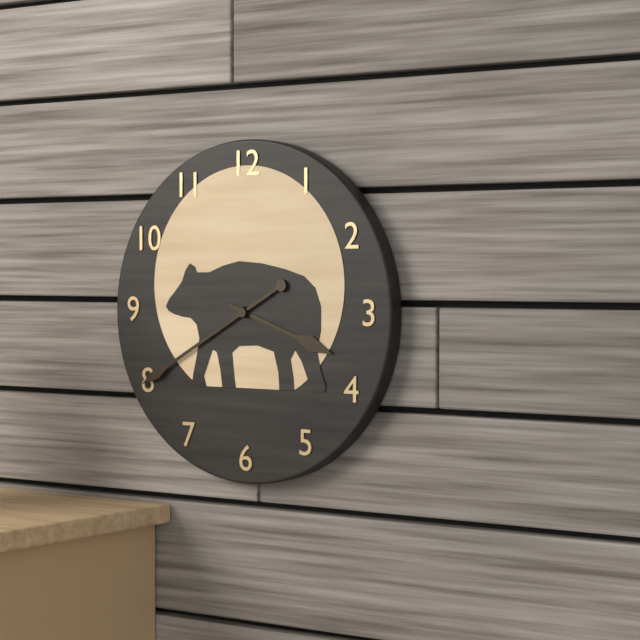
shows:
3,40
